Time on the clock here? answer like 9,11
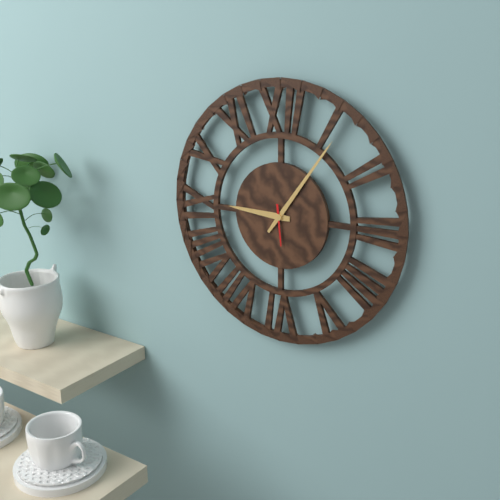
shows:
9,06
